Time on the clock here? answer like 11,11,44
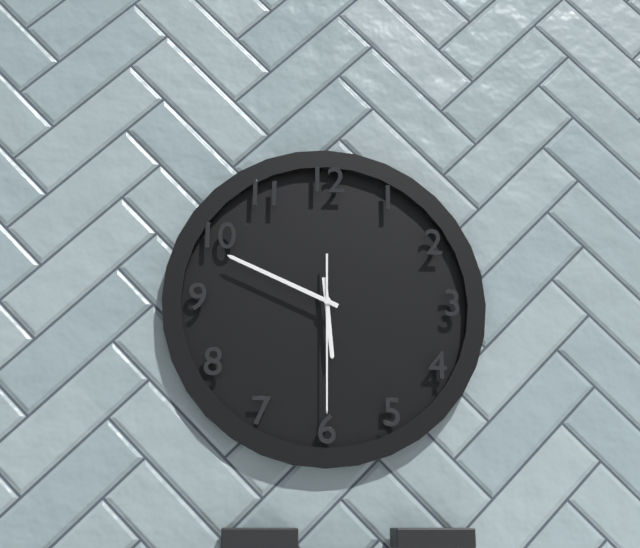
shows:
5,49,30
